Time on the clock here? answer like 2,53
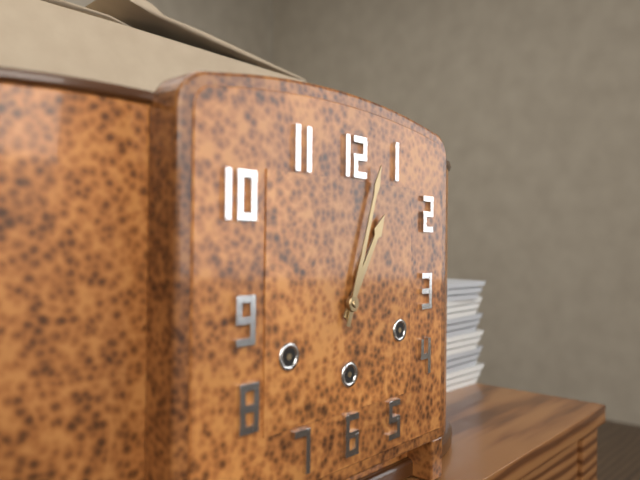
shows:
1,03
